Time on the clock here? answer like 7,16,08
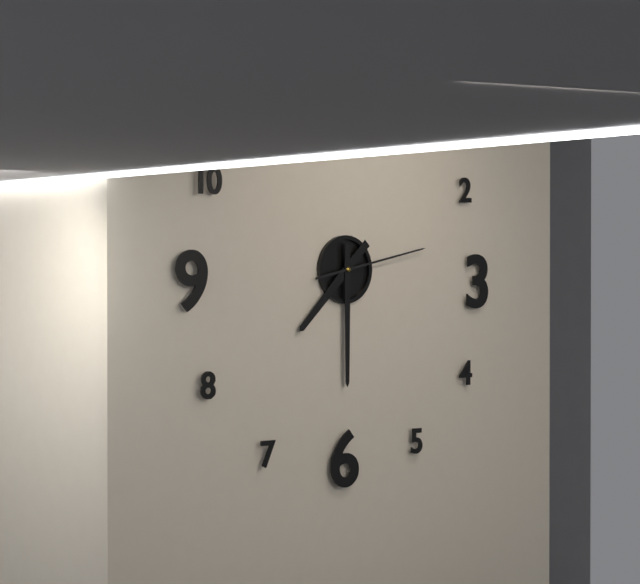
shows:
7,30,13
